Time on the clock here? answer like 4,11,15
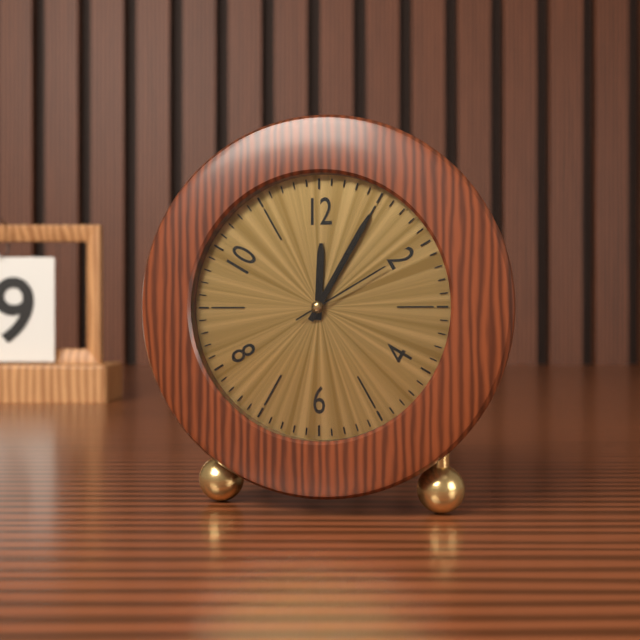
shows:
12,05,10
